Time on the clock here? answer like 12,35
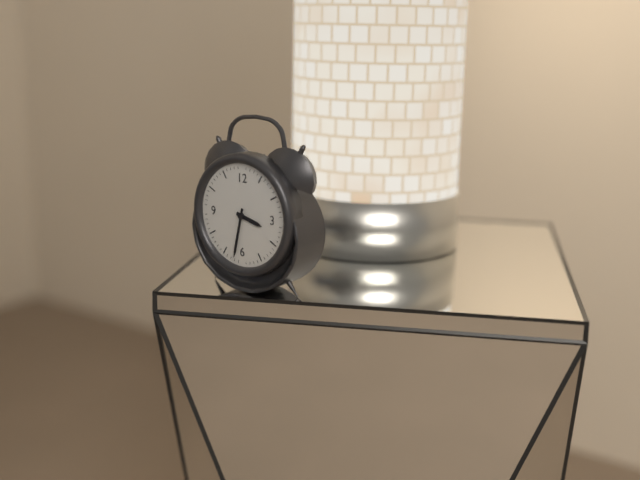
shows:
3,32
